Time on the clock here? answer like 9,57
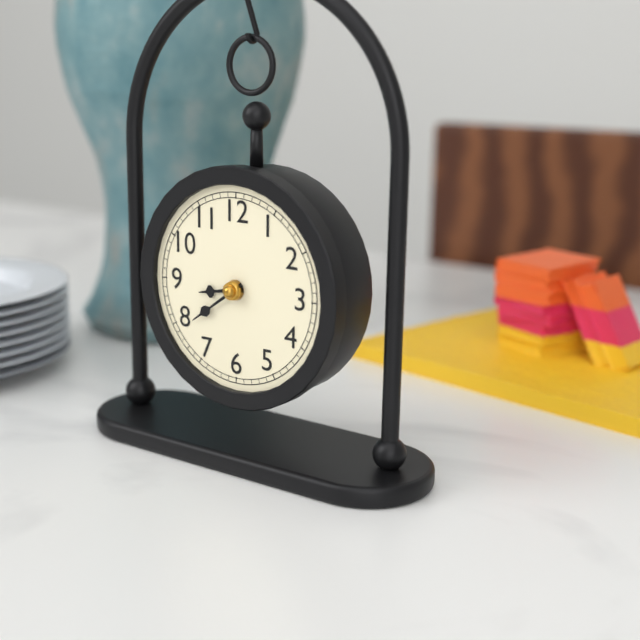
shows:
8,39
